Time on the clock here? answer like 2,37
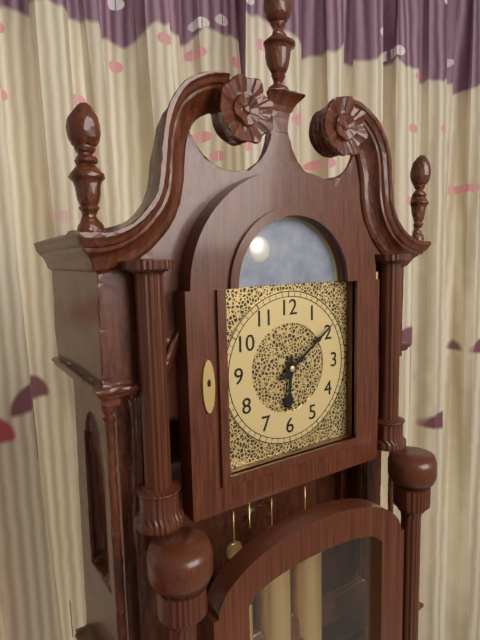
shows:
6,09
